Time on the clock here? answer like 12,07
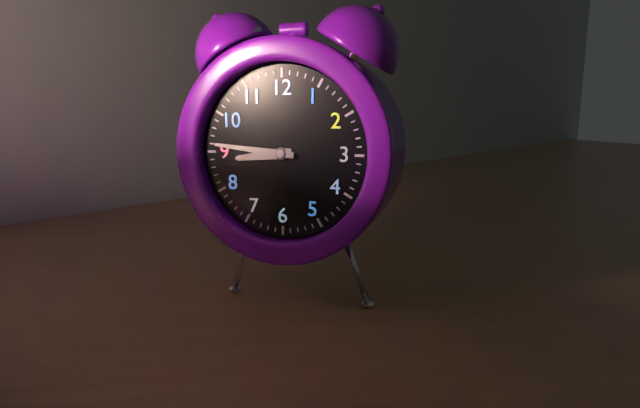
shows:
8,46
